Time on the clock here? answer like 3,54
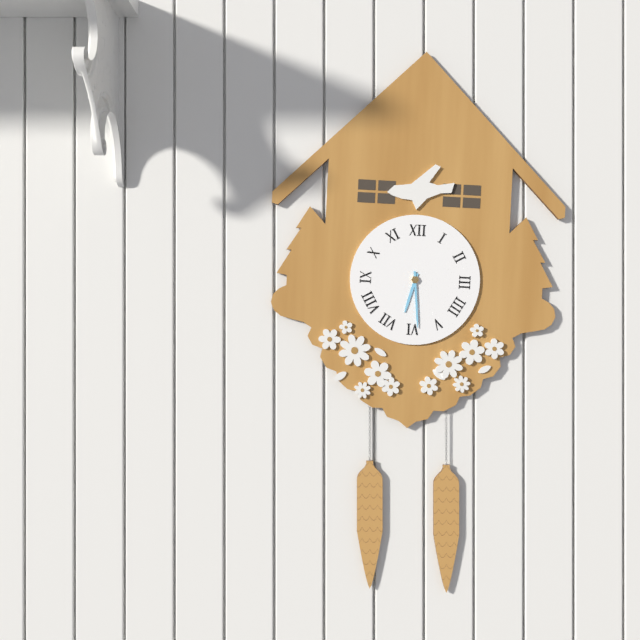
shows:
6,29
